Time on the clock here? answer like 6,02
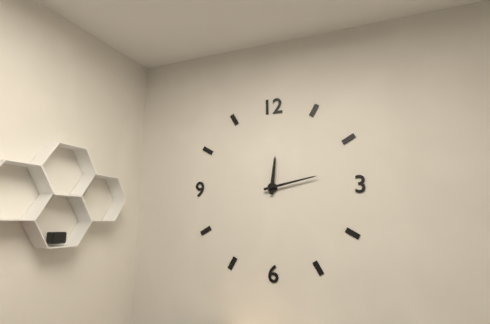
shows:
12,13
